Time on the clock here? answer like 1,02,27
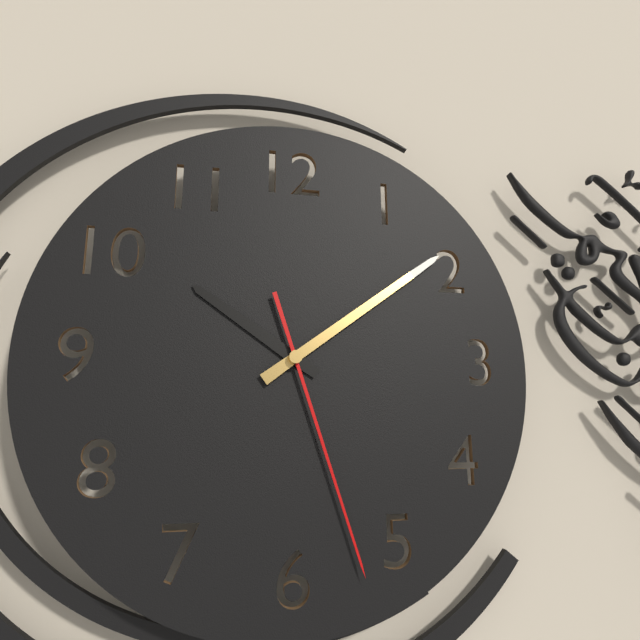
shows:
10,09,27
